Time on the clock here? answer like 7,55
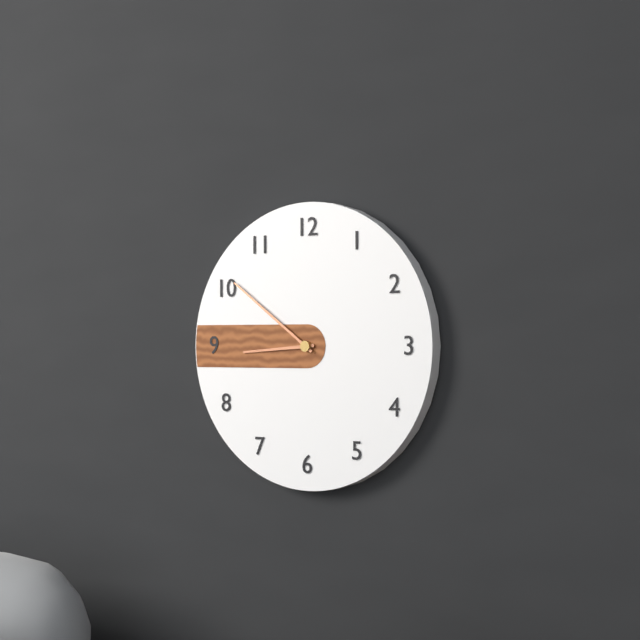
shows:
8,51
